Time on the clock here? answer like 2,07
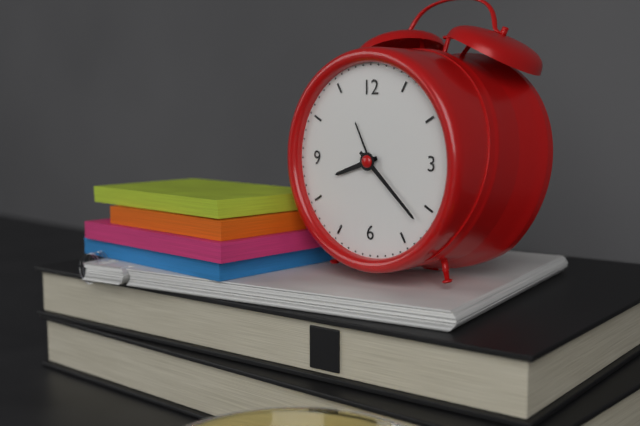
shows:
8,22
